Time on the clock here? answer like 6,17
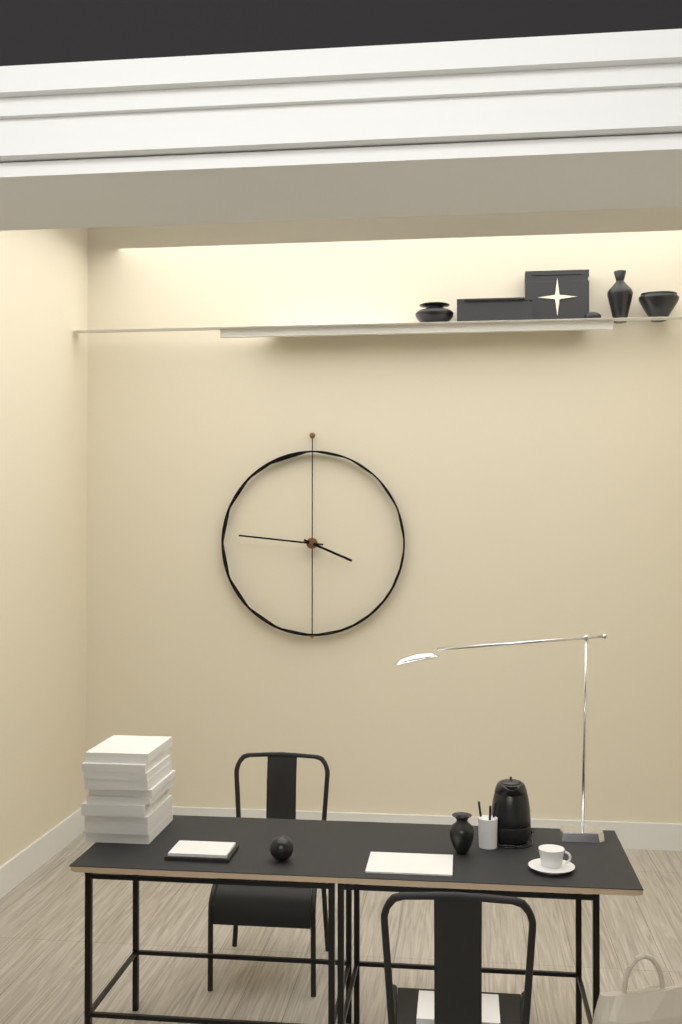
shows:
3,46
